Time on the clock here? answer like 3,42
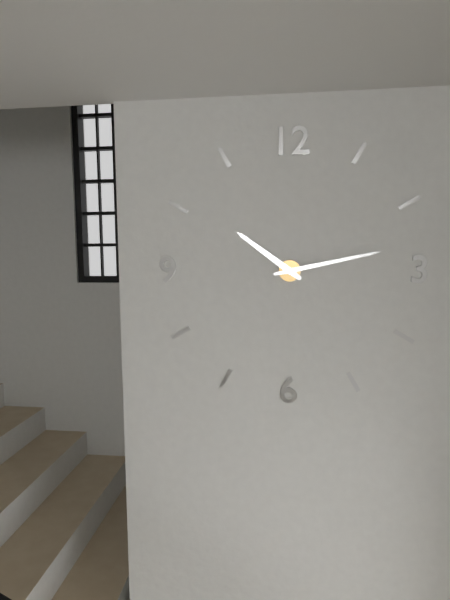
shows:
10,13
